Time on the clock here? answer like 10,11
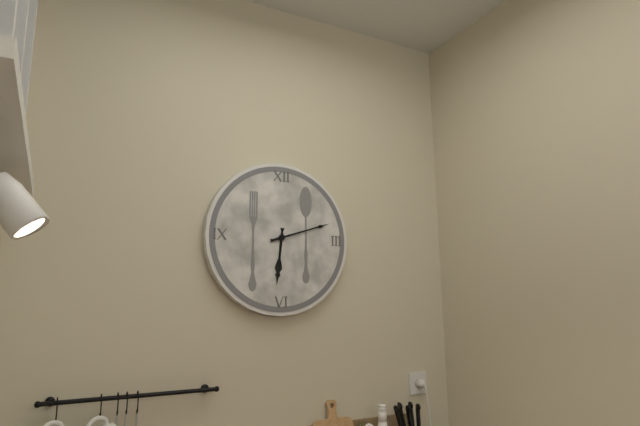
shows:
6,12
